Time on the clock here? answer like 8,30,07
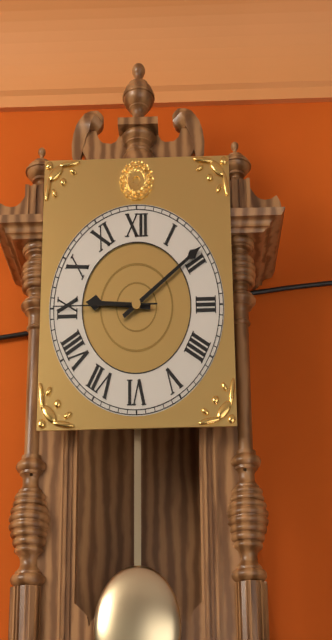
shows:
9,09,45
